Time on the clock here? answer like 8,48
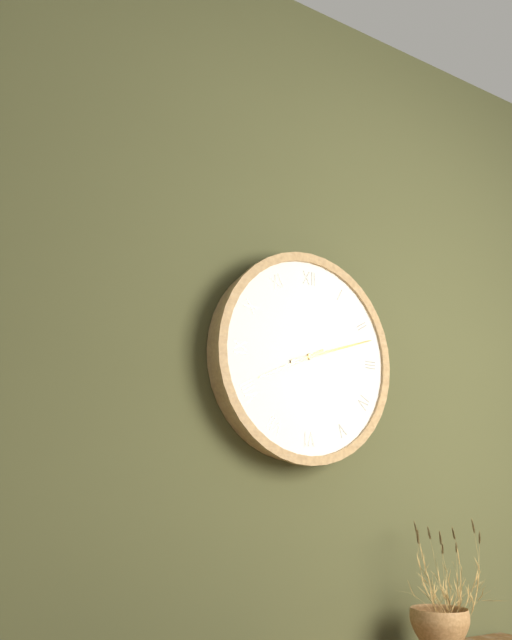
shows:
8,12
